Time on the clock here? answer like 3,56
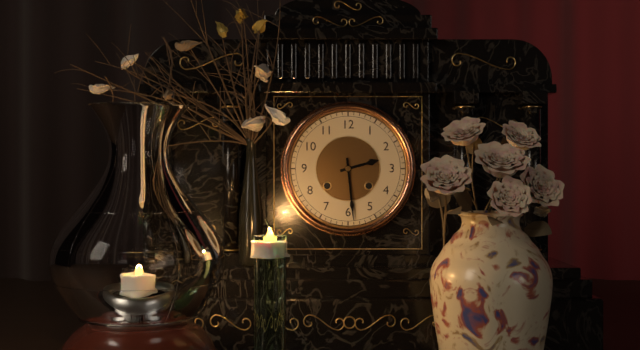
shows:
2,29
